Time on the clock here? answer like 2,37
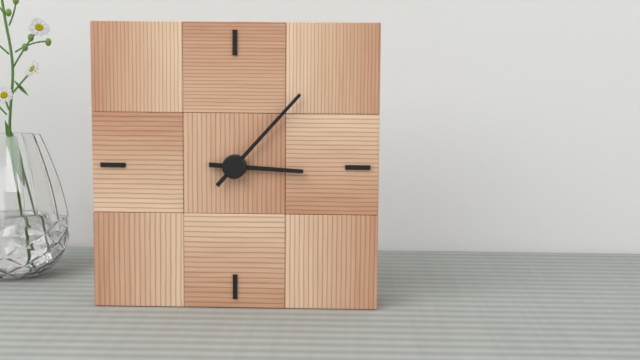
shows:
3,07
